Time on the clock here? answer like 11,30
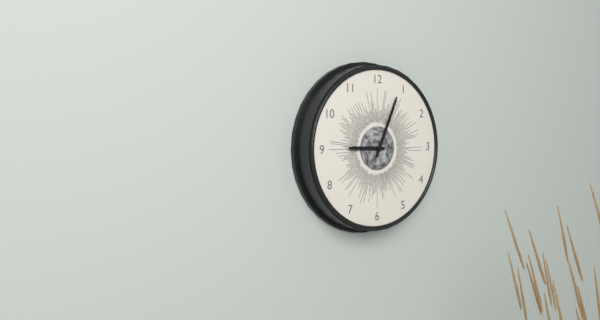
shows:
9,04
